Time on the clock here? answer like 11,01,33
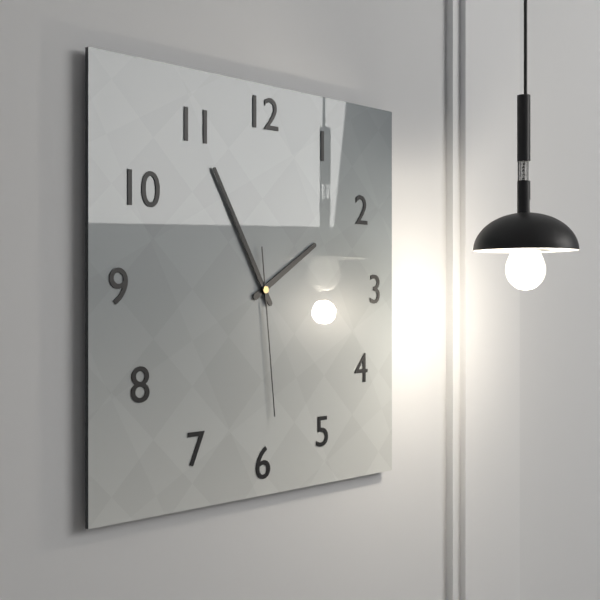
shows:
1,55,29
